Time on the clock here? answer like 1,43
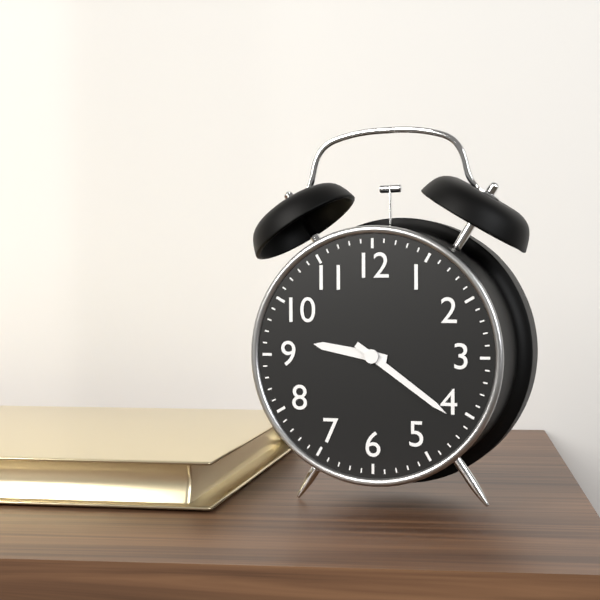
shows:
9,21
